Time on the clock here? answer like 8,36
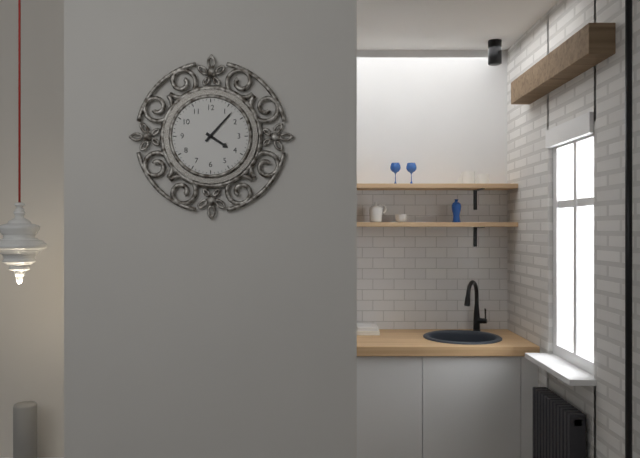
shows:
4,07
